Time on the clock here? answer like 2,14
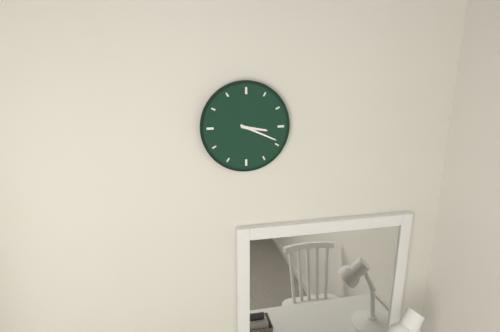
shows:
3,19
